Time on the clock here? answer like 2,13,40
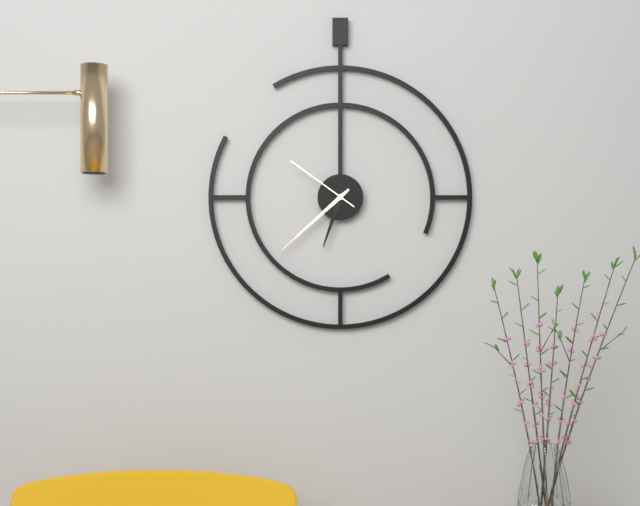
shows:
6,38,51
